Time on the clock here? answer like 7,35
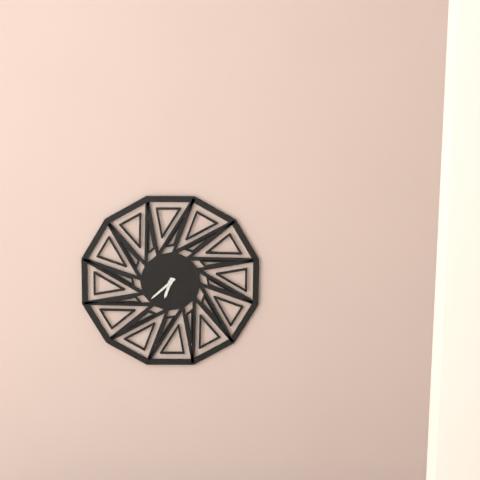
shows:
6,38
